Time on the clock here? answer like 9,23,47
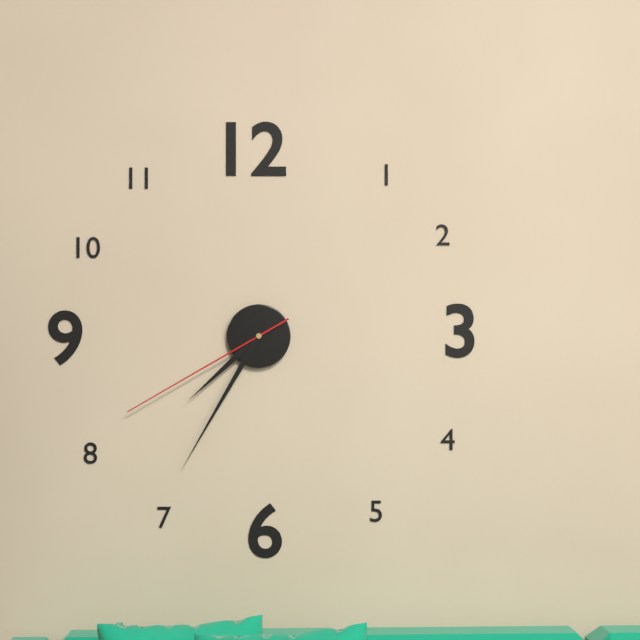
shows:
7,35,40
